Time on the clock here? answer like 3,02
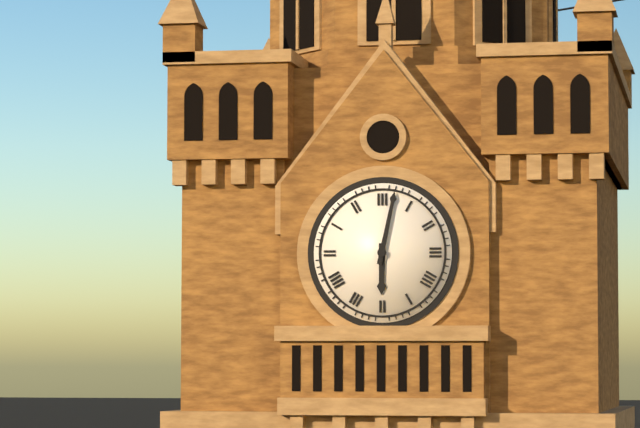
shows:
6,02
